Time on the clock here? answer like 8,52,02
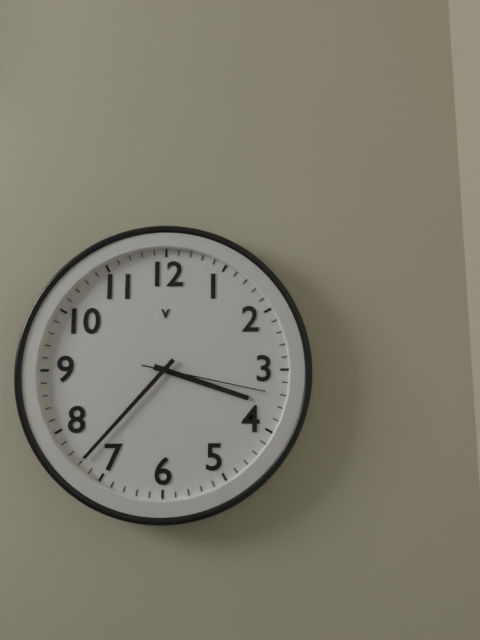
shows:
3,37,17
